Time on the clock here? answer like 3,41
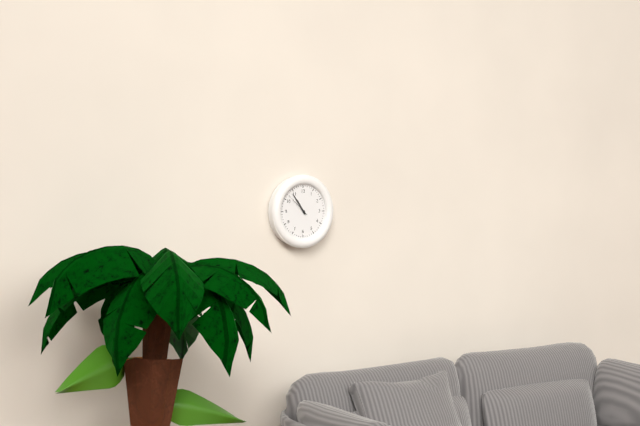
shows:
10,54
